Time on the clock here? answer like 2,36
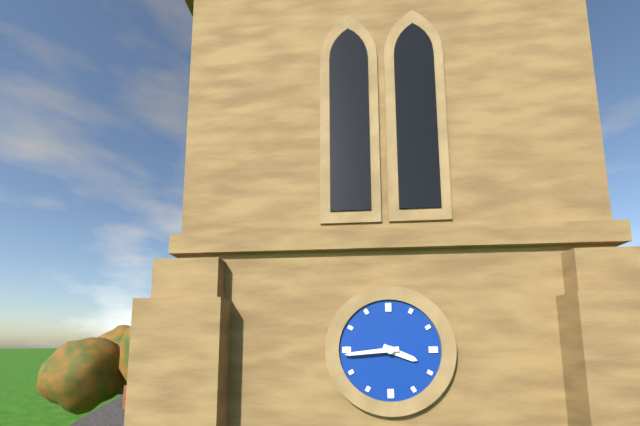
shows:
3,44
